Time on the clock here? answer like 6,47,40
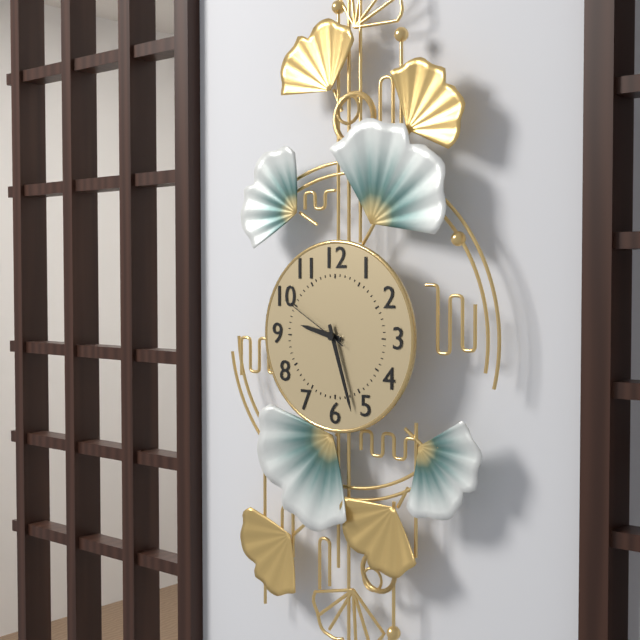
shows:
9,27,50
